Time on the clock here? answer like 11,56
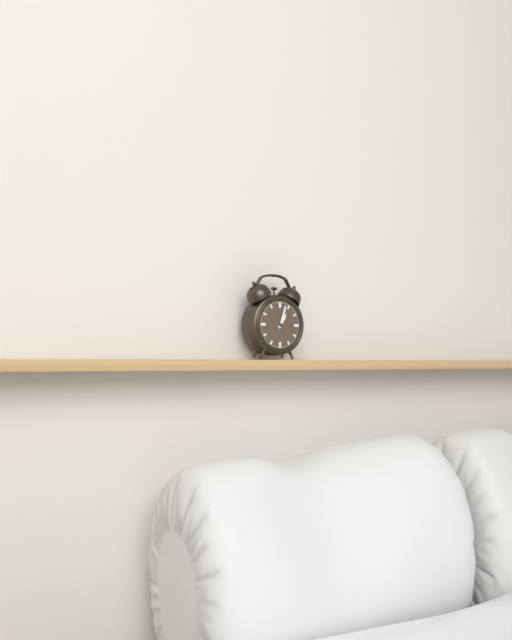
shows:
1,03
